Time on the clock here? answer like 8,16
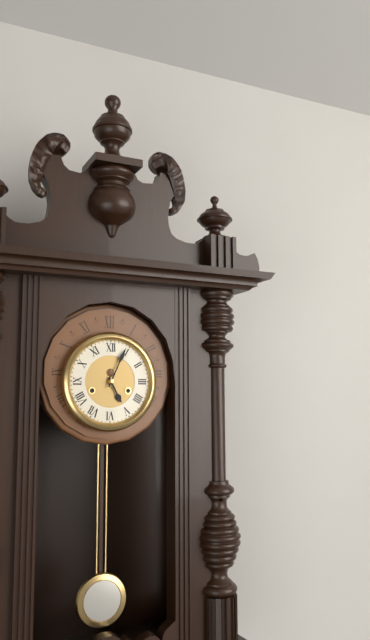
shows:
5,04
